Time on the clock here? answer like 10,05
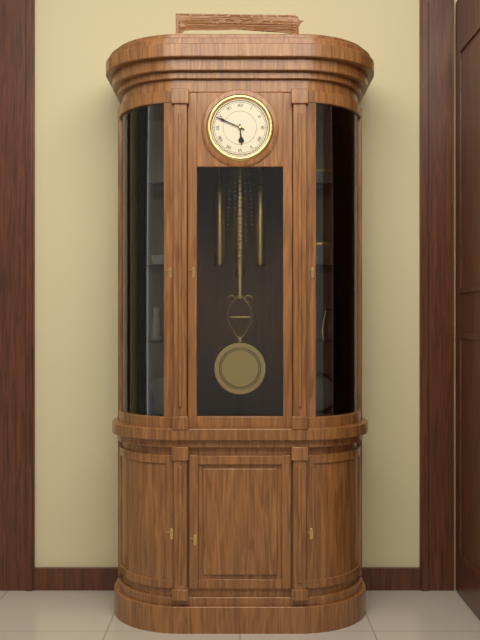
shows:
5,49
